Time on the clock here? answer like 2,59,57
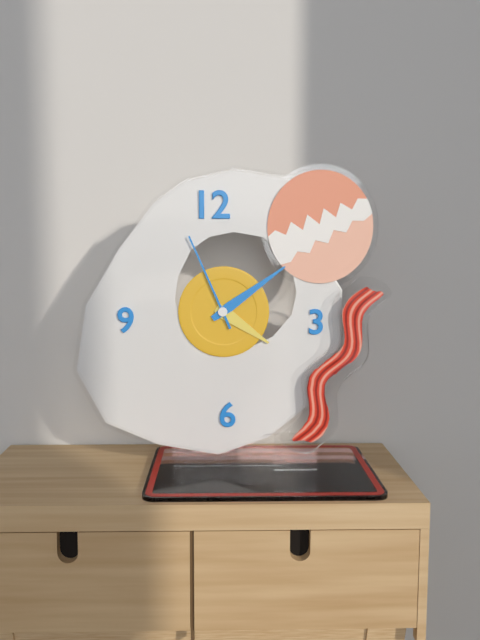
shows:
4,09,56
